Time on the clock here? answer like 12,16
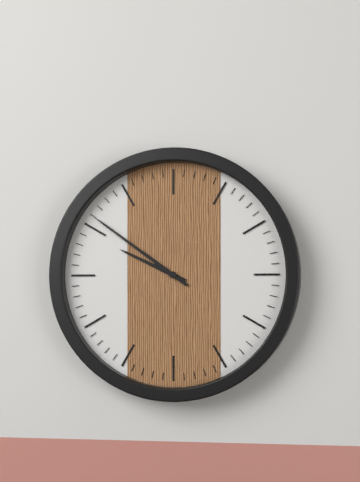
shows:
9,51
